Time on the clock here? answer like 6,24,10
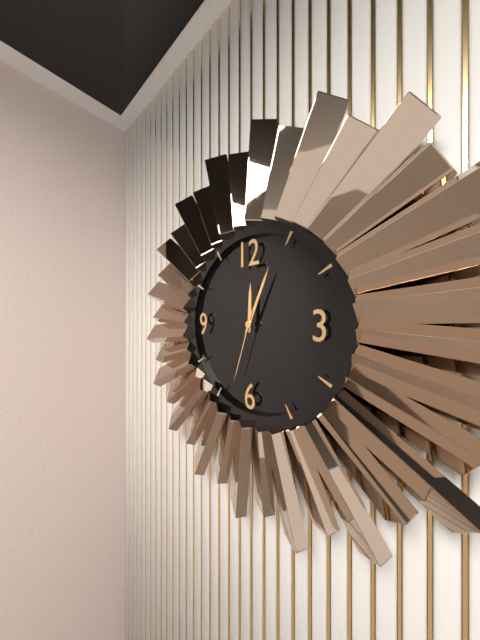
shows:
12,04,33
